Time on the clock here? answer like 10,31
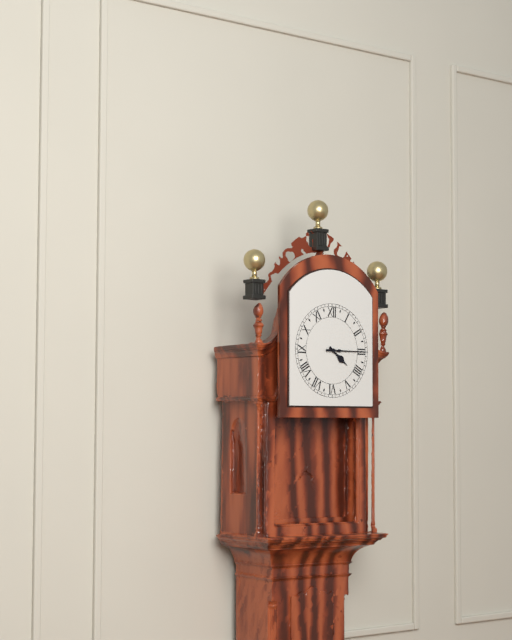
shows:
4,15
